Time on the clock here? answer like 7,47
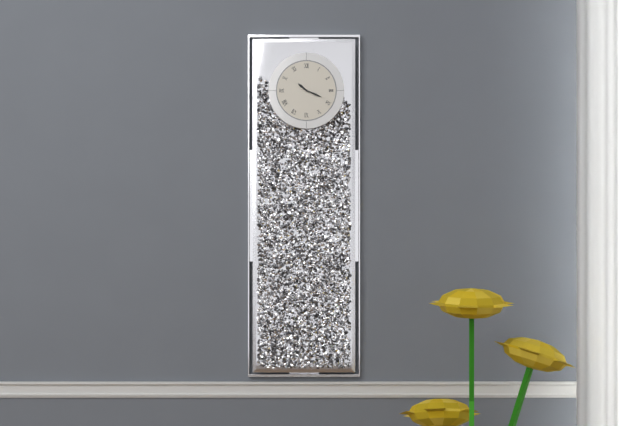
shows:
10,19
